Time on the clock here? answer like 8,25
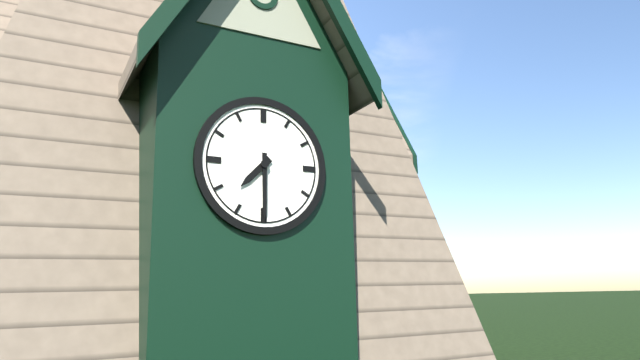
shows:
7,30
